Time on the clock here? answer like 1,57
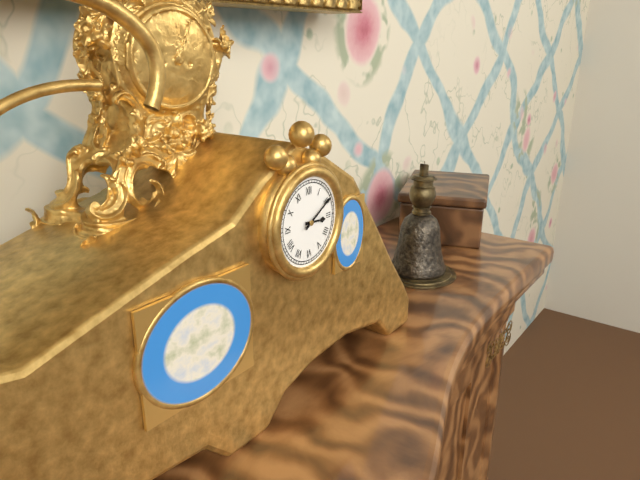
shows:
3,10
